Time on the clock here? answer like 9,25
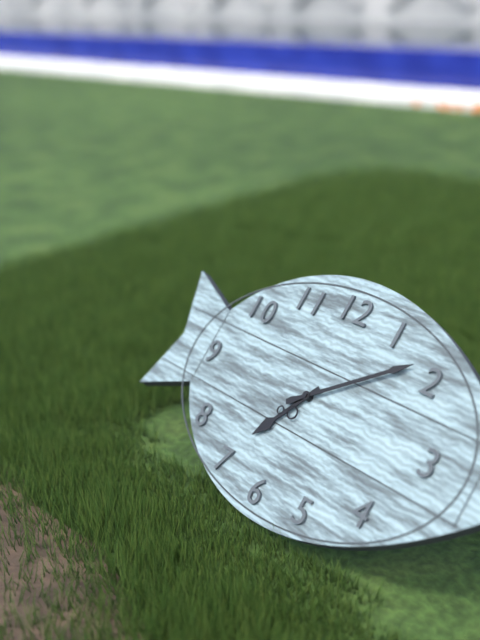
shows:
7,09
